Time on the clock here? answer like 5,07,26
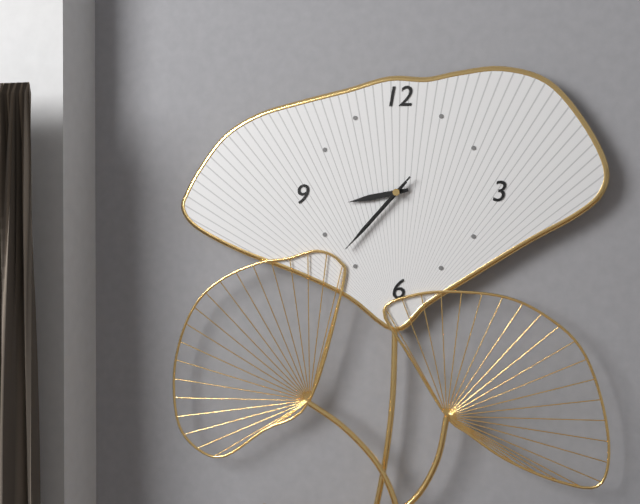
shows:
8,37,37
